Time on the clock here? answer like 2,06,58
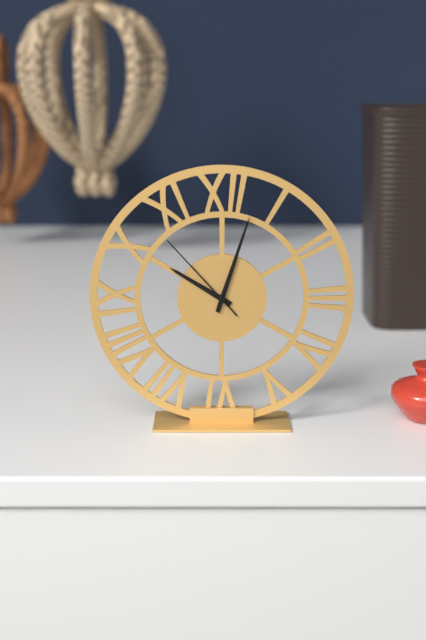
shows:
10,03,53
